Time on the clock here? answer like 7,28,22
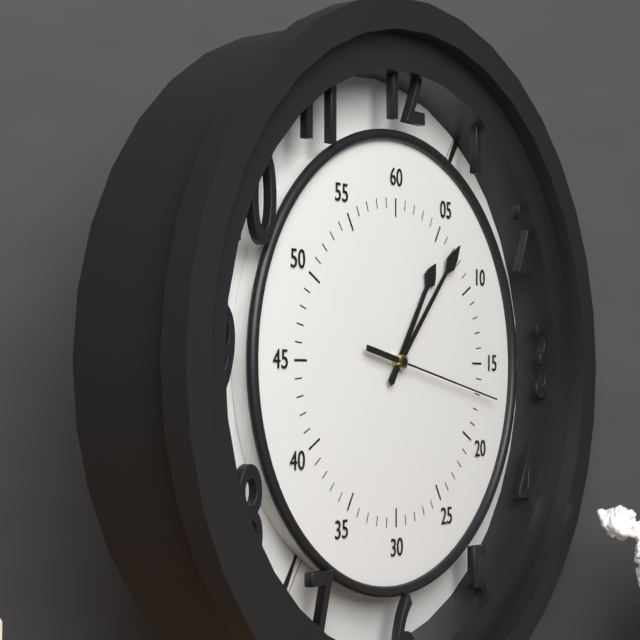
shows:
1,07,17
